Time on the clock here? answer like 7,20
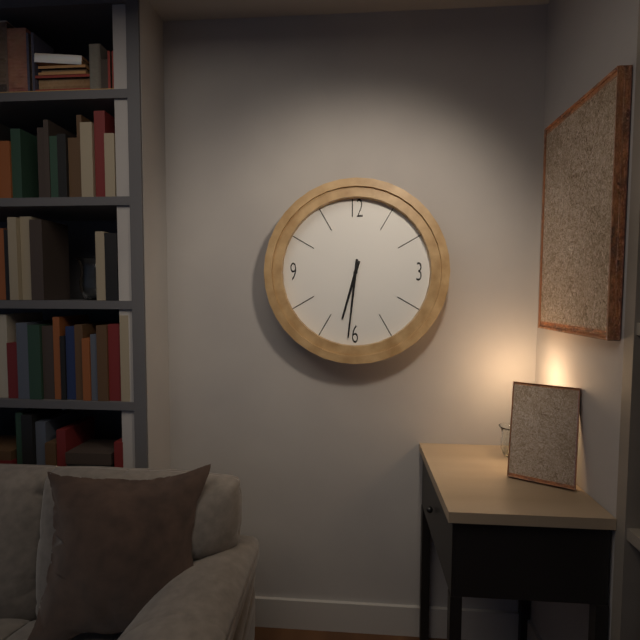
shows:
6,31
